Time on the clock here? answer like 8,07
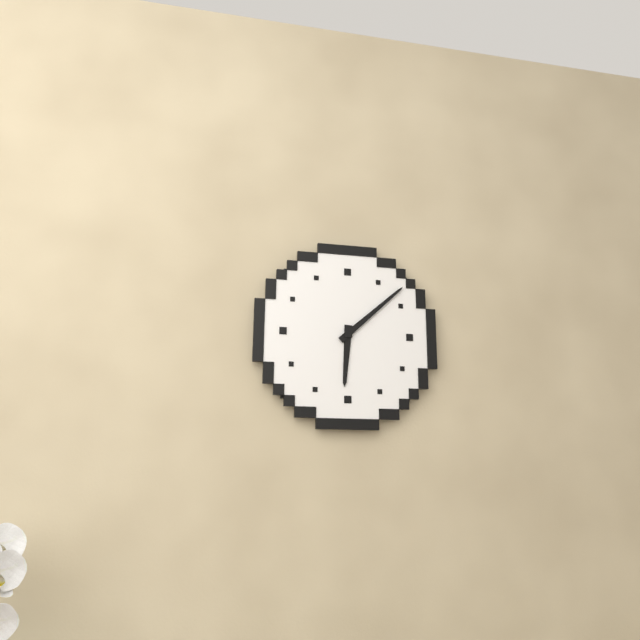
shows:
6,08
